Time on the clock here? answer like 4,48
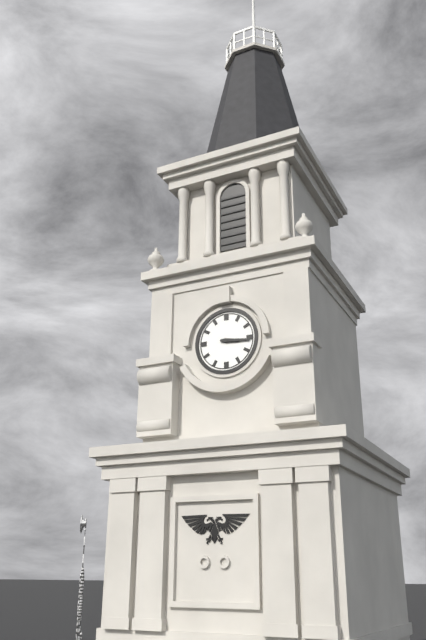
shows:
3,16
